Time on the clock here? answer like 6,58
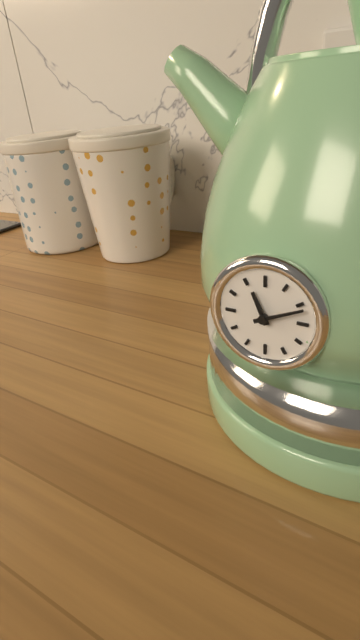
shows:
11,11
